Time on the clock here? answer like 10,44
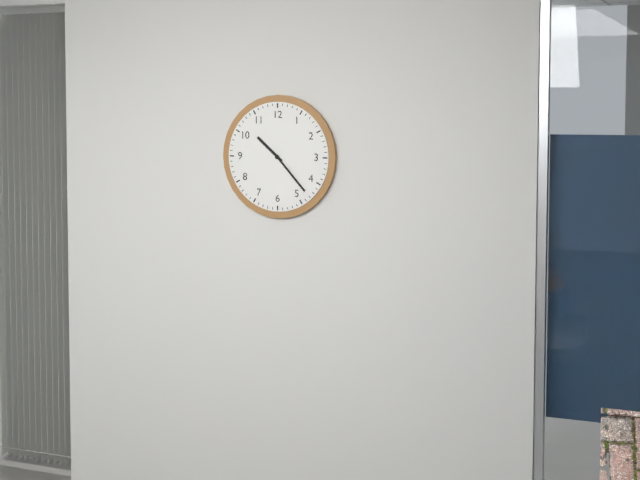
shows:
10,23
